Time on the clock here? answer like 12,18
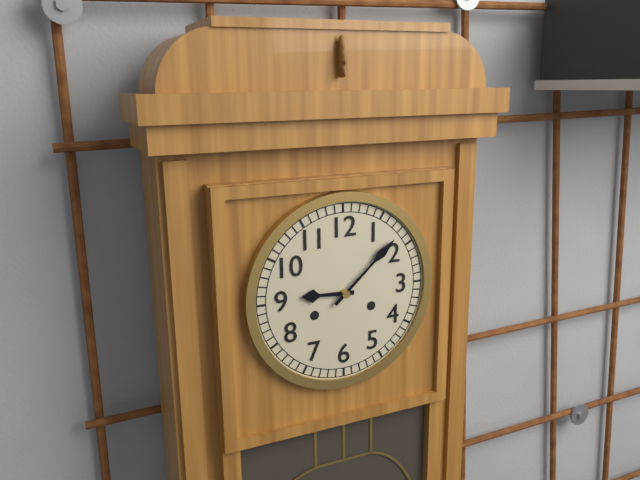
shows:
9,08
